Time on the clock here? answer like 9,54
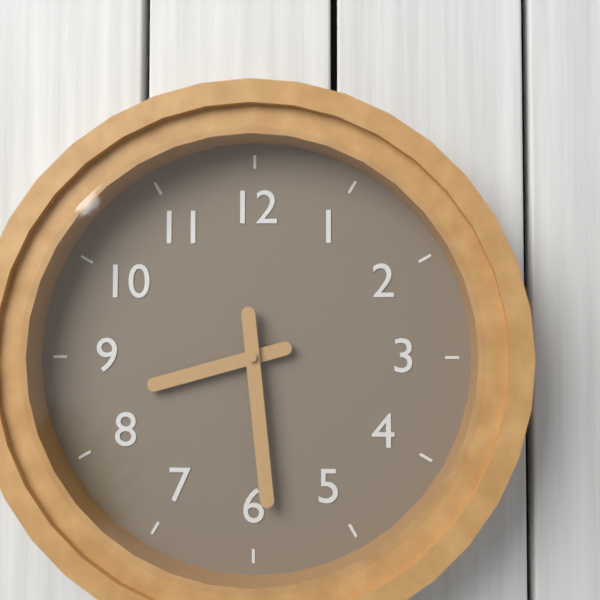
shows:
8,29
